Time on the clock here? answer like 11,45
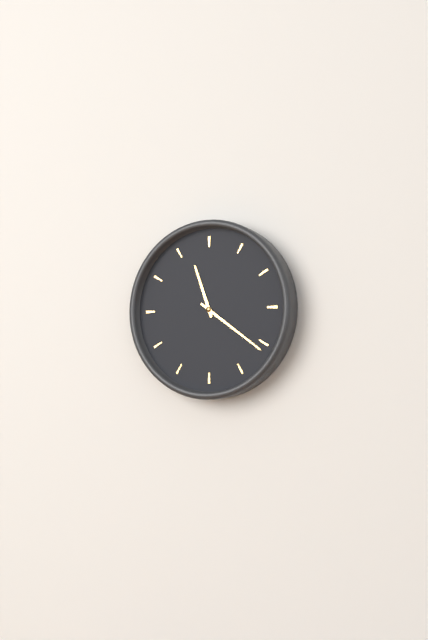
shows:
11,21
